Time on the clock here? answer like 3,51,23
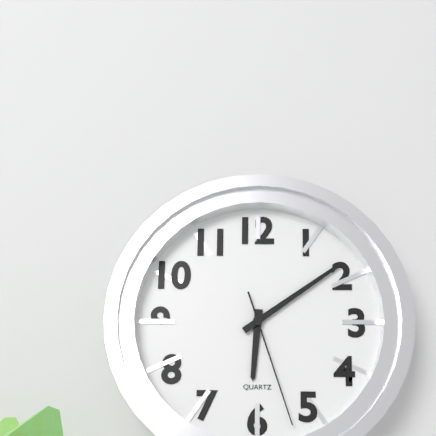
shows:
6,09,27
